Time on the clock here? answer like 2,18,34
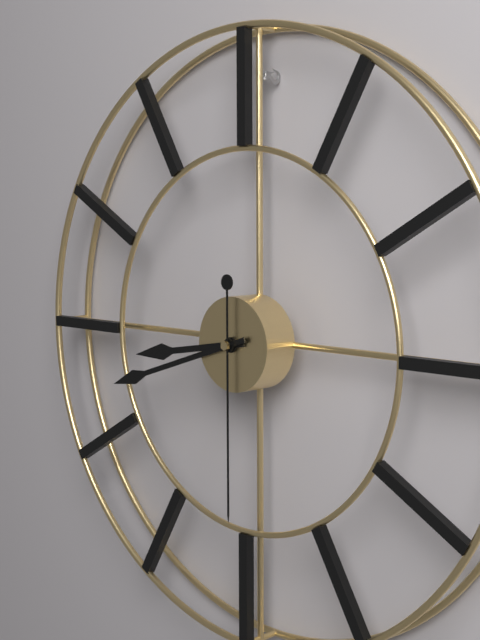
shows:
8,42,30
